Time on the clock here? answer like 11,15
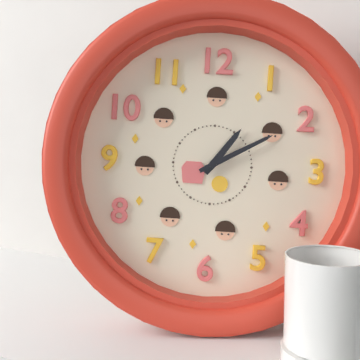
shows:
1,10
